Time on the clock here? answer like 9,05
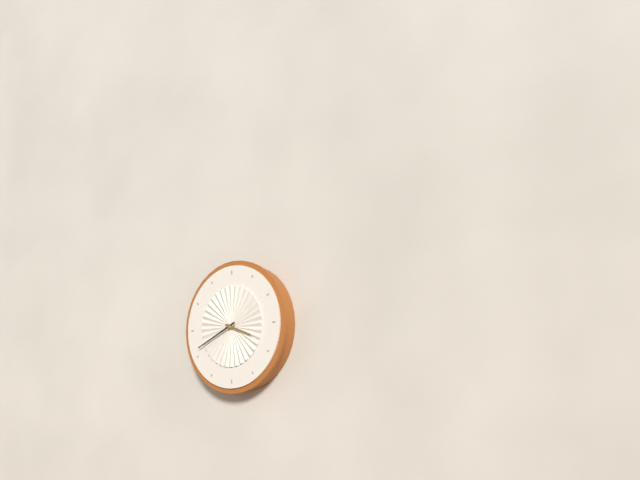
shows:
3,41
